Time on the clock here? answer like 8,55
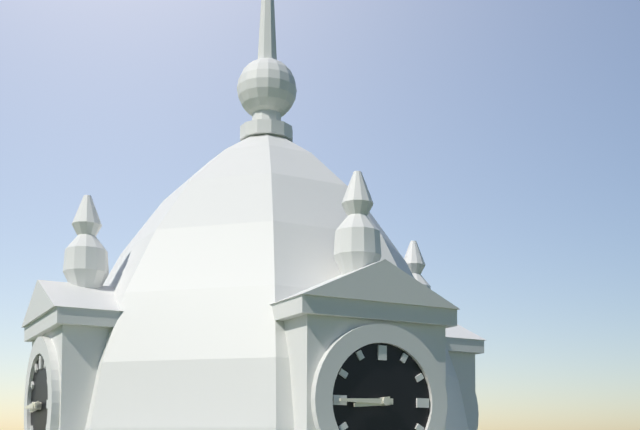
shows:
8,45
